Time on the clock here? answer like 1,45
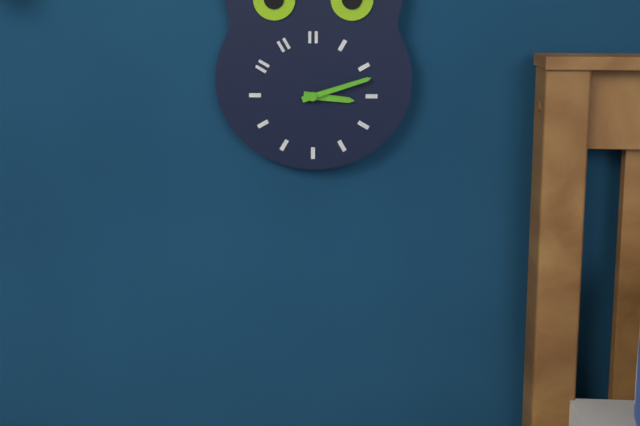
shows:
3,12
